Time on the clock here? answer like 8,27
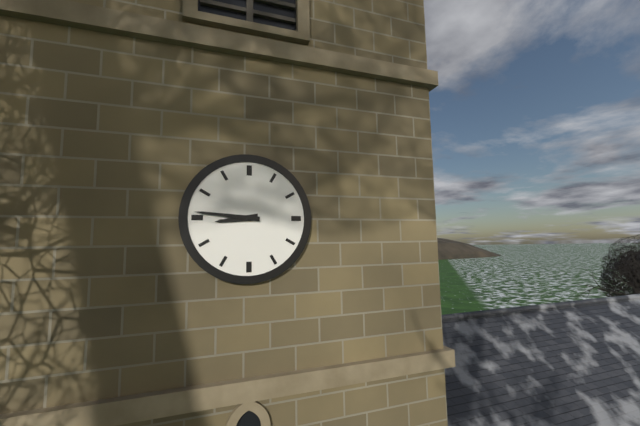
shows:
8,46
